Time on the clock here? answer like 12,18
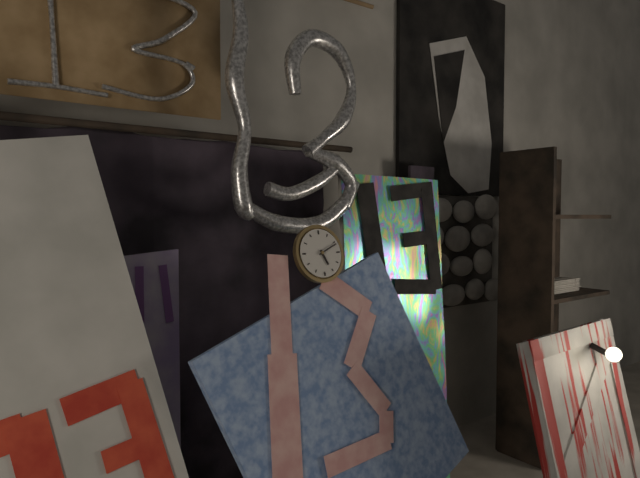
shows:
5,11
